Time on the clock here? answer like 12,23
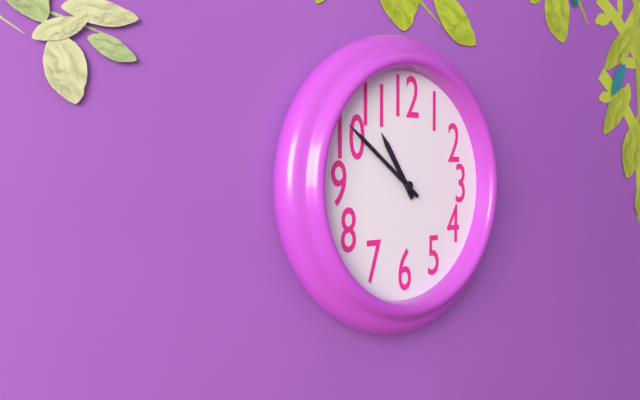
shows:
10,51
